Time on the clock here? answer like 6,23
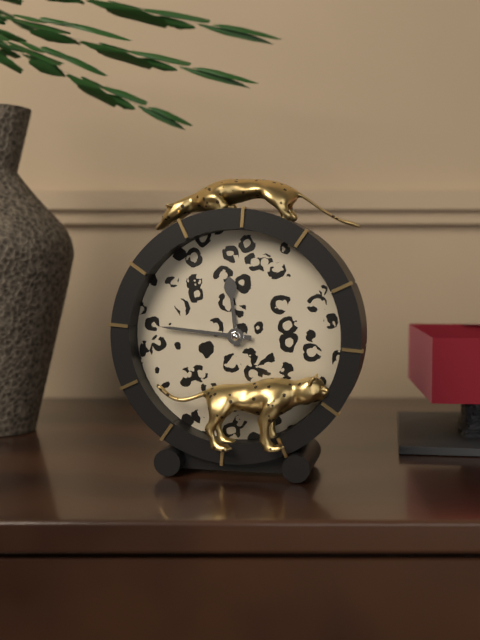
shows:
11,46
